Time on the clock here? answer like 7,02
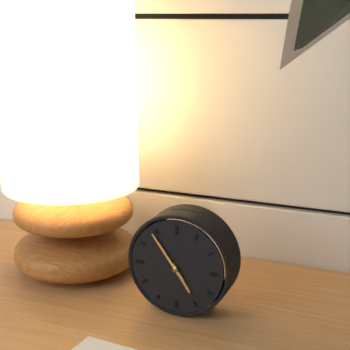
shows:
4,54
